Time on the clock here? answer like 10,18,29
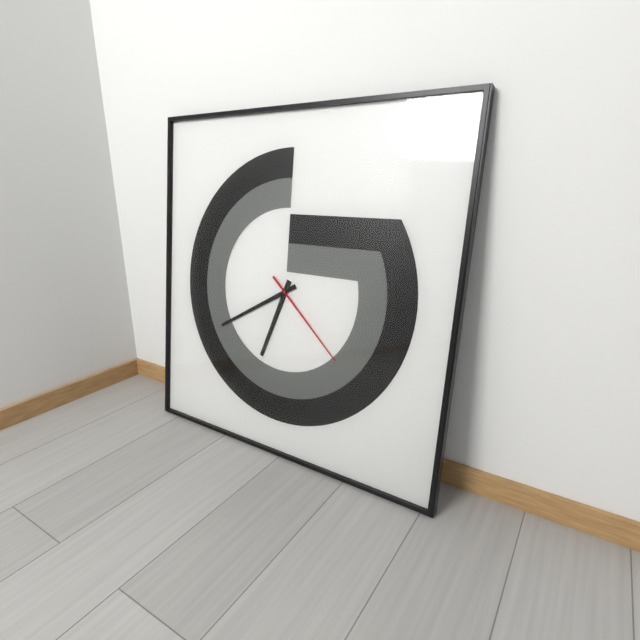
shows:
6,40,22
